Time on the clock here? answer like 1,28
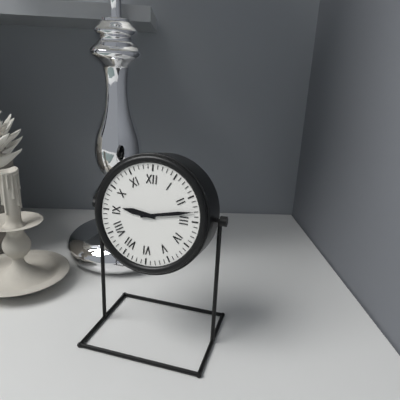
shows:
9,13
